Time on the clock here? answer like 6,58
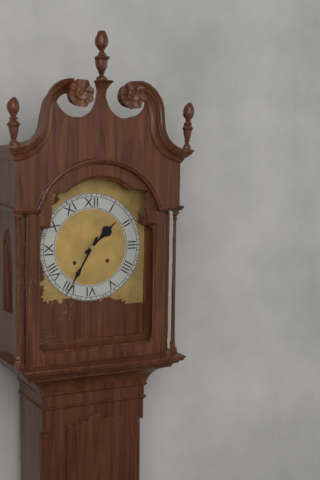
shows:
1,35
